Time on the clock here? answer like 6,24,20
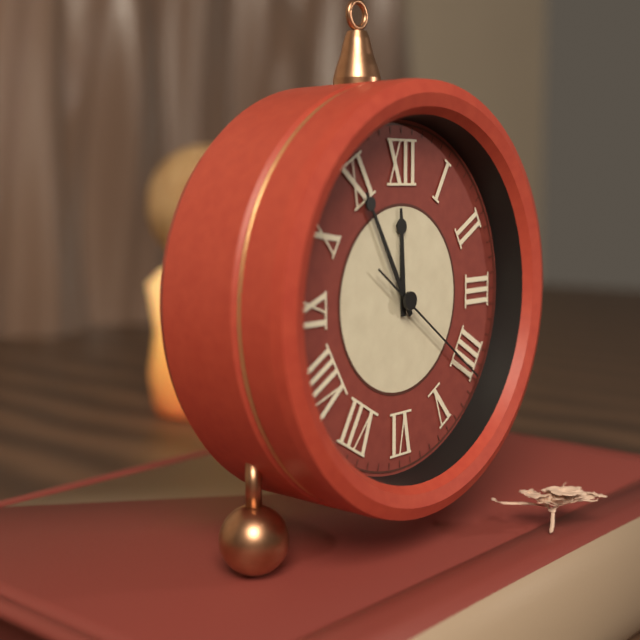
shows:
11,55,21
